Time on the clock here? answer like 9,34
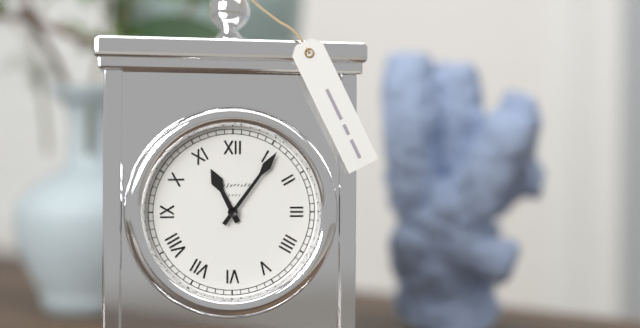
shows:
11,06
